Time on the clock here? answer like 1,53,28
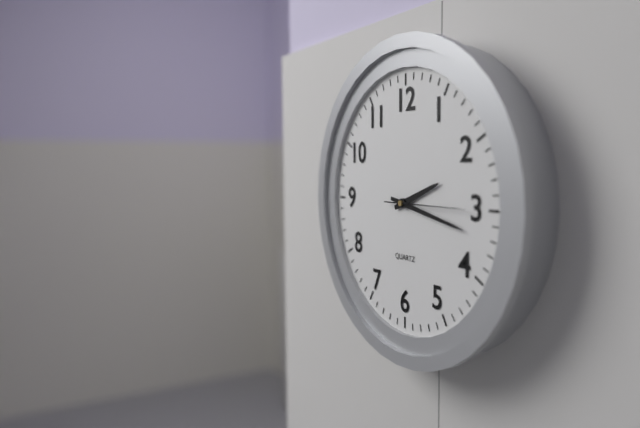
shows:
2,17,15
